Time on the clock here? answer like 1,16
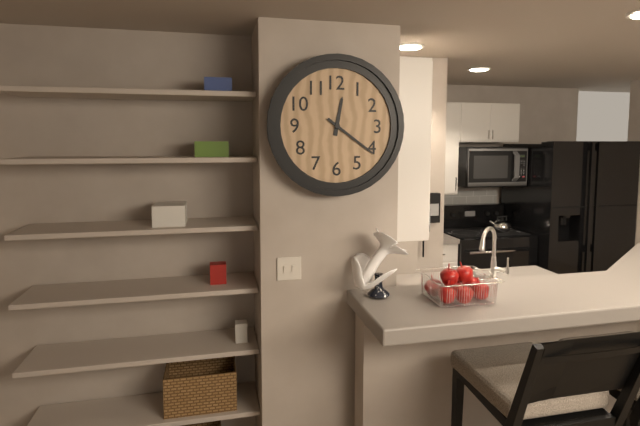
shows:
12,21
